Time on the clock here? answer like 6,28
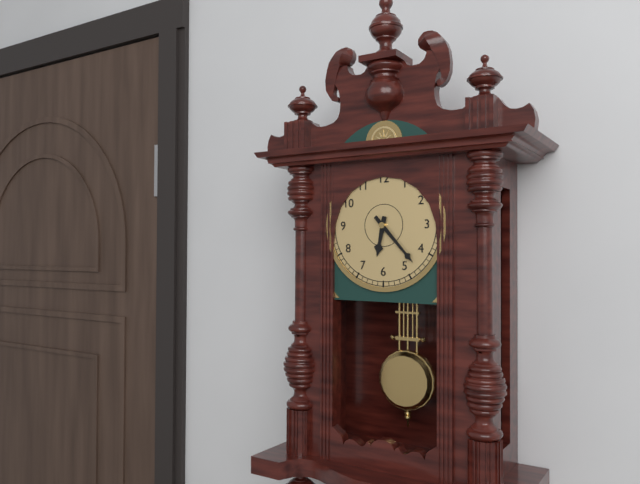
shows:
6,23
